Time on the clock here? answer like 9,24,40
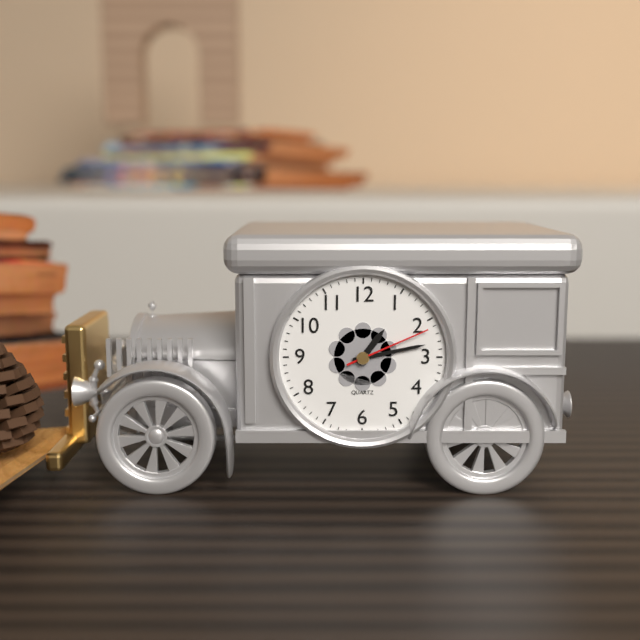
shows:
1,13,11
